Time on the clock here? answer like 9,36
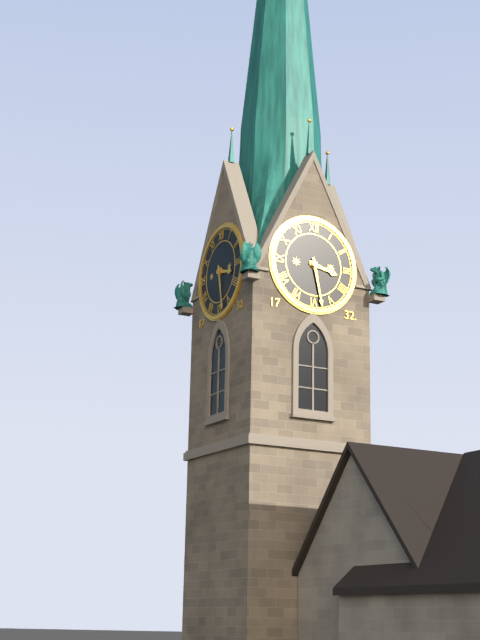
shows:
3,28
